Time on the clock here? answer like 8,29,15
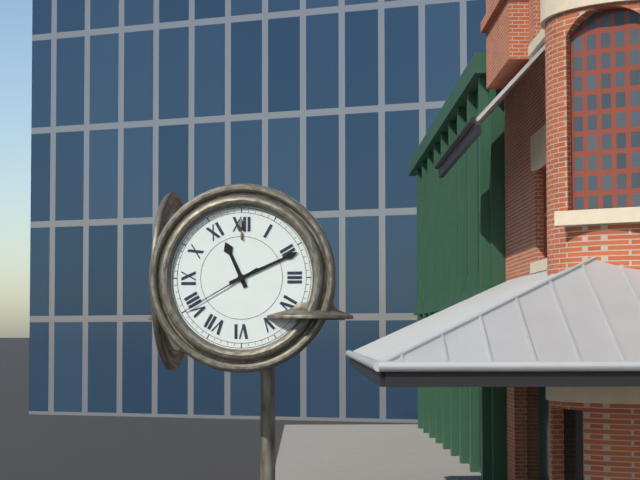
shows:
11,11,40
